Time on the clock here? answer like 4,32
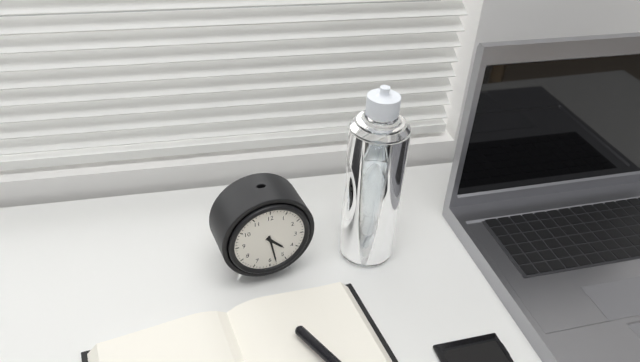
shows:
4,28
